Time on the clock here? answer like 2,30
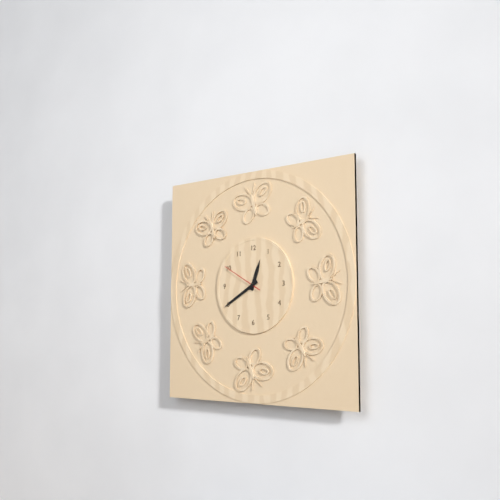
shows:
12,40
